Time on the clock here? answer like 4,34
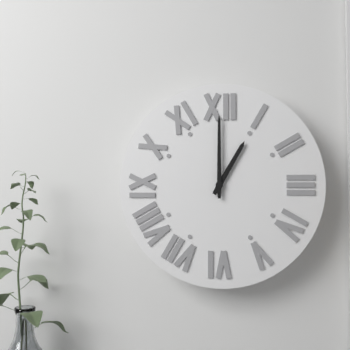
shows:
1,00
